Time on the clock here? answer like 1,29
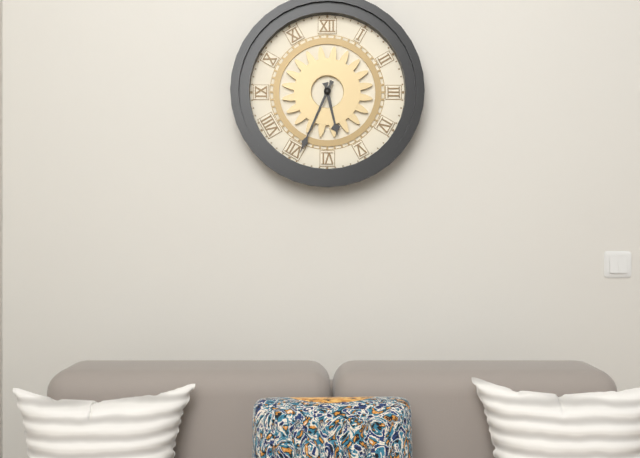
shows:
5,34
